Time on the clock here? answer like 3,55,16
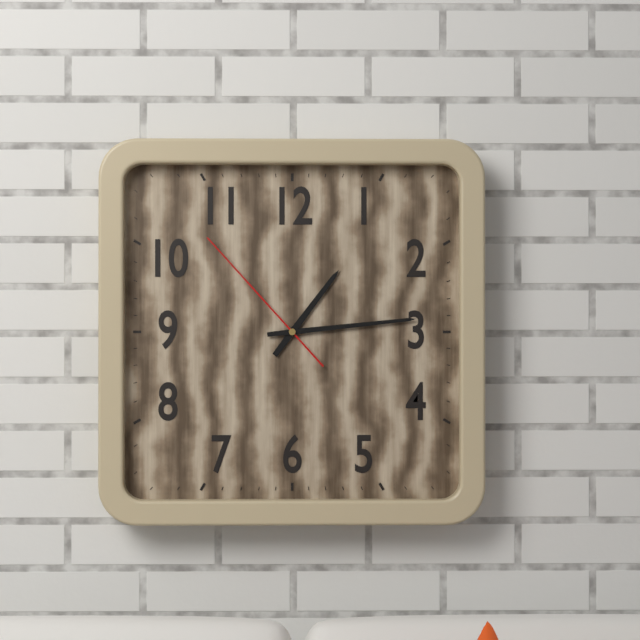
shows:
1,14,53
